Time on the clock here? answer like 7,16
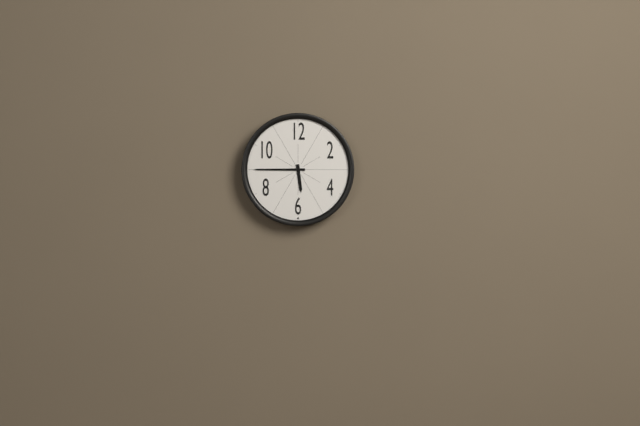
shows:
5,45
